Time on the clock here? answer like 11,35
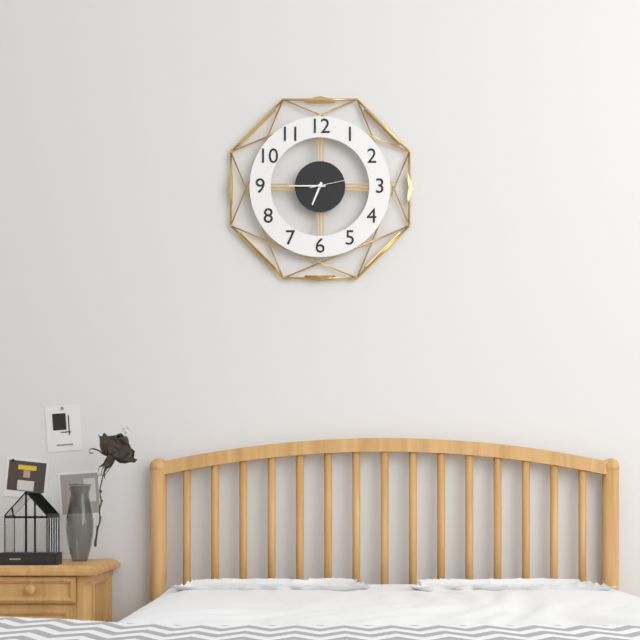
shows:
6,45
